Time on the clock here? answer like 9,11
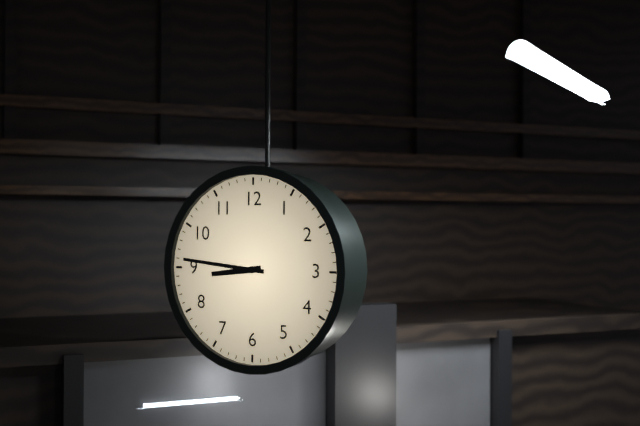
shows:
8,46
